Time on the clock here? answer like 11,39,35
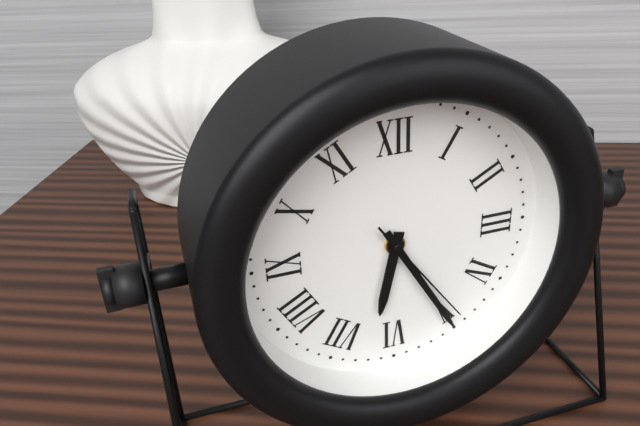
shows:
6,25,24
